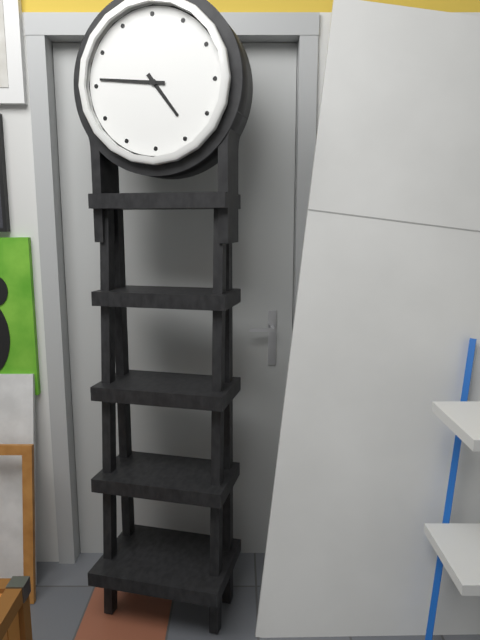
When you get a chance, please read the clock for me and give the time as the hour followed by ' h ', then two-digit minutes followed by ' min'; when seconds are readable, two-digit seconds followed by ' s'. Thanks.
4 h 46 min
